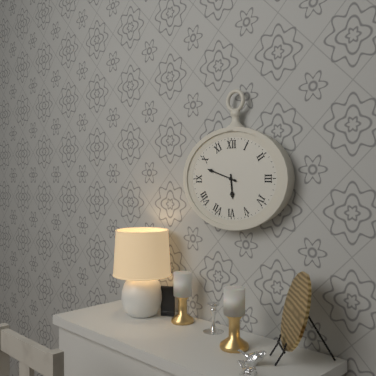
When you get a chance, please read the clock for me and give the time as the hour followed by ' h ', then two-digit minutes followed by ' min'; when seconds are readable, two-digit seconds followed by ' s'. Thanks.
5 h 48 min
